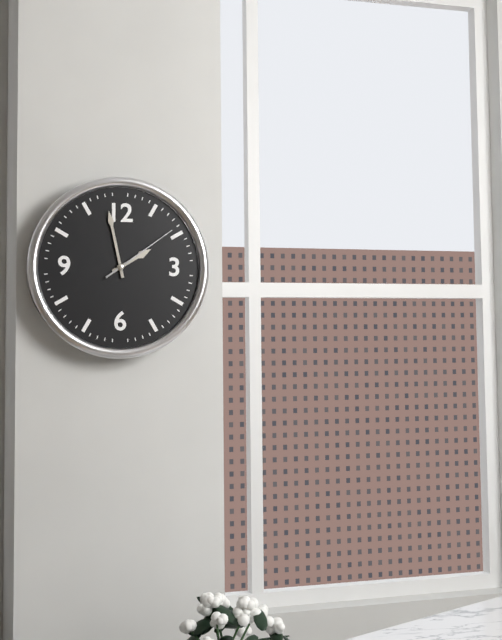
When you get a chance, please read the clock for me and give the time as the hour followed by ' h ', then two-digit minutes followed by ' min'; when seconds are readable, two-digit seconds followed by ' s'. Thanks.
1 h 58 min 09 s
